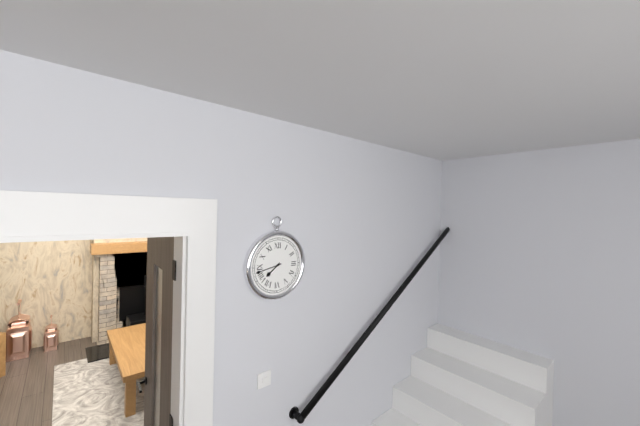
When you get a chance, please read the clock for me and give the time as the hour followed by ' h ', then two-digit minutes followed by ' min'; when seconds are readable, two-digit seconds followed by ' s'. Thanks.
7 h 43 min
